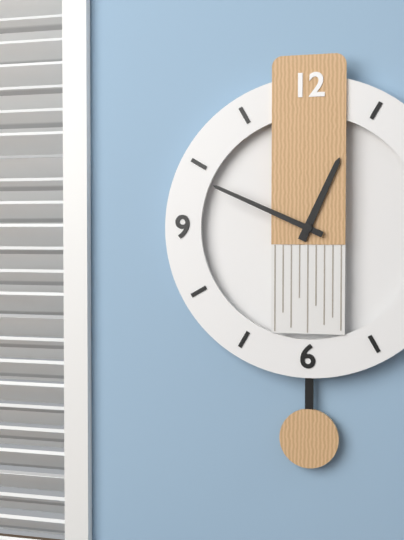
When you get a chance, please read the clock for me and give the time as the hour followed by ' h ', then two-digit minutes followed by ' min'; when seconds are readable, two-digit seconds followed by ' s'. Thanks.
12 h 49 min
